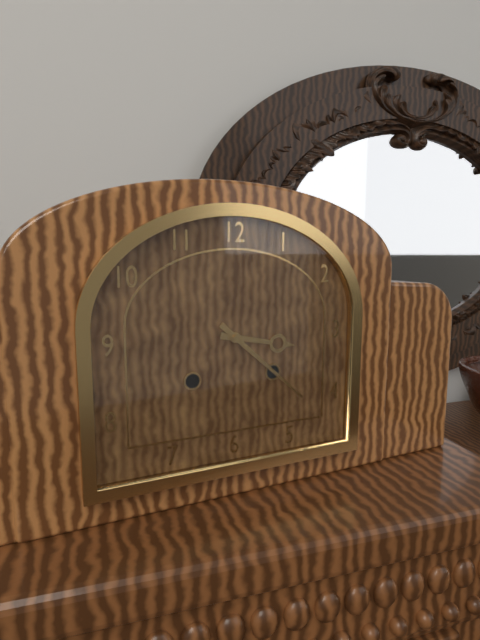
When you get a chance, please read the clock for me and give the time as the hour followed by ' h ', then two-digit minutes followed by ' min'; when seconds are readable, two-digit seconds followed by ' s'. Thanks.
3 h 22 min
